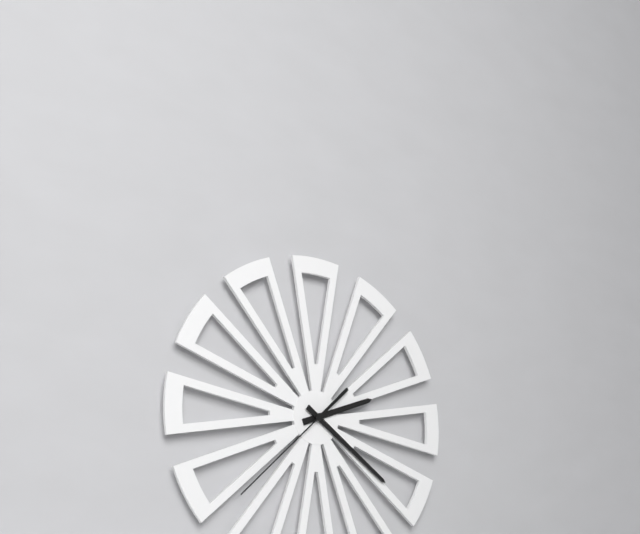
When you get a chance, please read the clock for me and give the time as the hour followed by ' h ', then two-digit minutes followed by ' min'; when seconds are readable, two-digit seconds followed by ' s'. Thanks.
2 h 21 min 38 s
